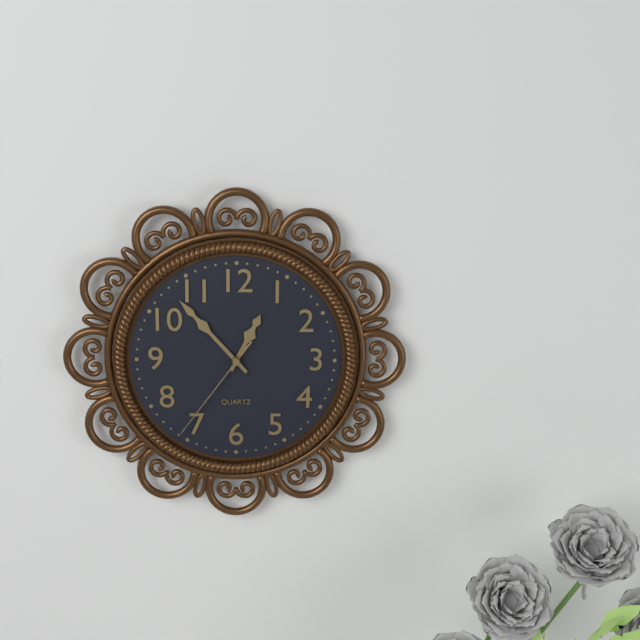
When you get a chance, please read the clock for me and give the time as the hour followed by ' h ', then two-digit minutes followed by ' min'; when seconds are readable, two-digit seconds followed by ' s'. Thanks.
12 h 53 min 36 s
